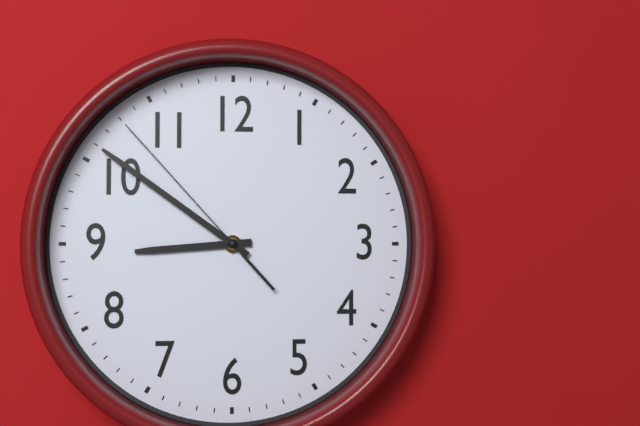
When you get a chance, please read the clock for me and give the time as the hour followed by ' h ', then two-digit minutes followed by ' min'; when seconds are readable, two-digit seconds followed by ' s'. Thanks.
8 h 51 min 53 s
